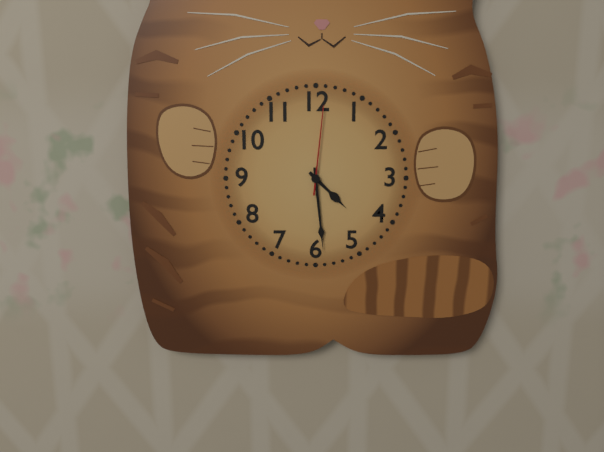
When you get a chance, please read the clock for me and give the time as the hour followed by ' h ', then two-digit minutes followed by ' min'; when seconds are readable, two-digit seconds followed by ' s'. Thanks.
4 h 29 min 01 s
